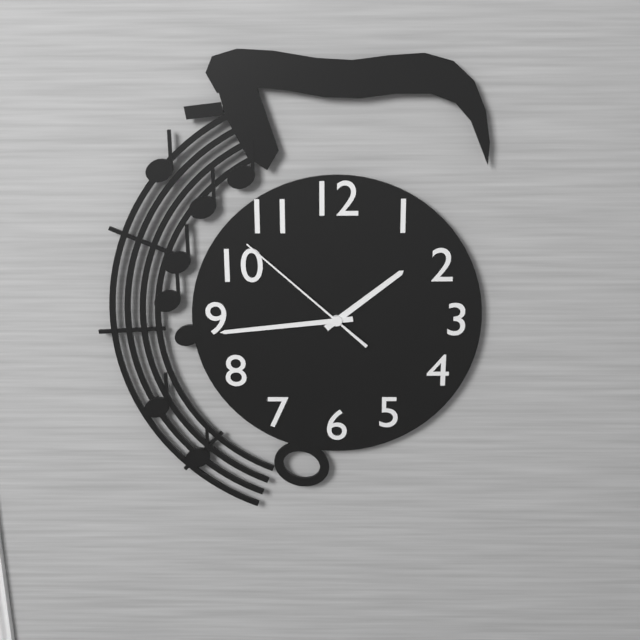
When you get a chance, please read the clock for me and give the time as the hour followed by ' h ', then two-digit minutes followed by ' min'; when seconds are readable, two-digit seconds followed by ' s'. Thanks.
1 h 44 min 52 s
